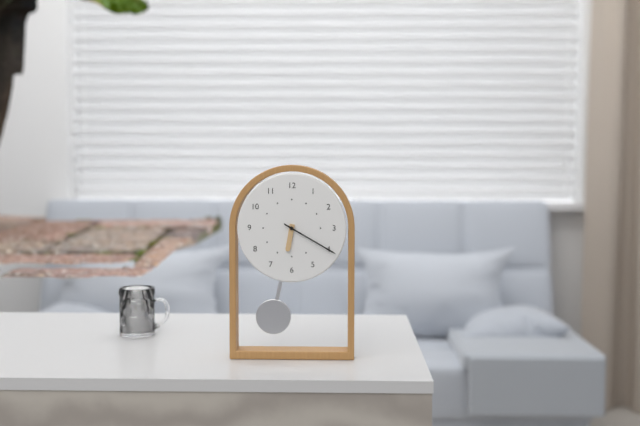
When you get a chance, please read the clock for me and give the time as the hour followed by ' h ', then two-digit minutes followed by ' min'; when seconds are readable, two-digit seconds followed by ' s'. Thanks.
6 h 20 min
